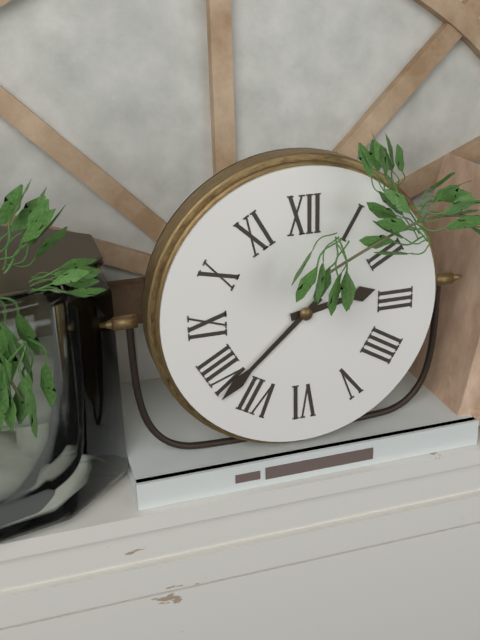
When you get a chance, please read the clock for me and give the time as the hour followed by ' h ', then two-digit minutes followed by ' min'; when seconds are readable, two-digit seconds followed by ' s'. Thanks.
2 h 38 min
